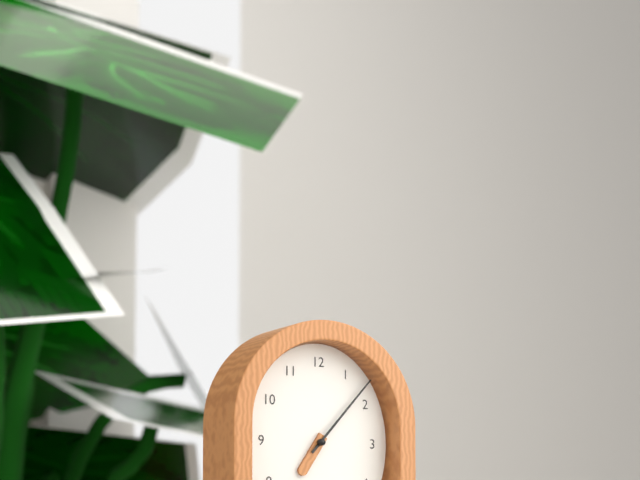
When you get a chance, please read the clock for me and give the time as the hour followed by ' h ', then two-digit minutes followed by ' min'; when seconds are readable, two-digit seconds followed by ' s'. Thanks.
7 h 07 min
